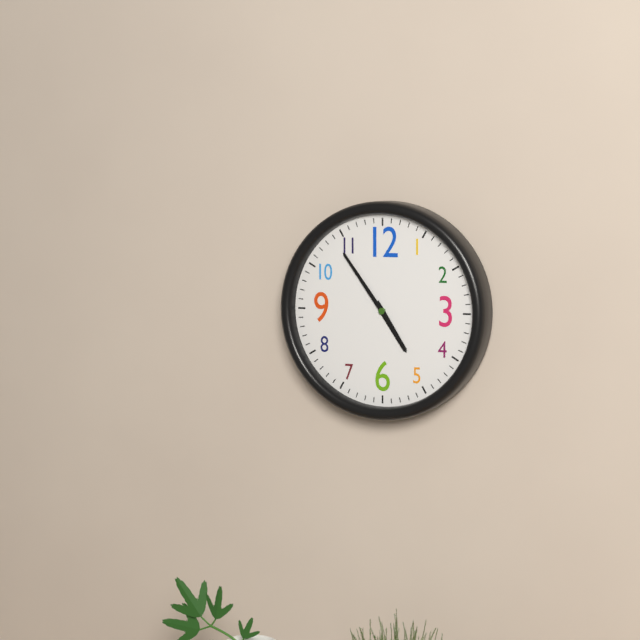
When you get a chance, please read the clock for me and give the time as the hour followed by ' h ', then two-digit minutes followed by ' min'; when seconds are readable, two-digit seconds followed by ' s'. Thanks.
4 h 54 min
